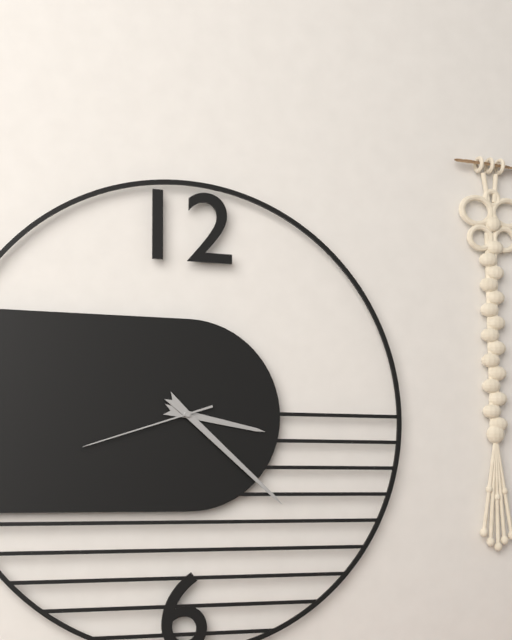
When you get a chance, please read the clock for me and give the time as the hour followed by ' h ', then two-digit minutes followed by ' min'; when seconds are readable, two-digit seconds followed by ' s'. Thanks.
3 h 22 min 42 s
